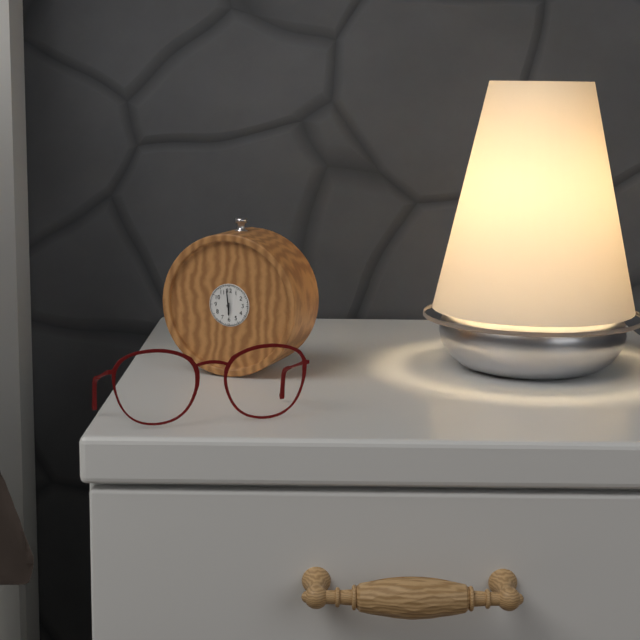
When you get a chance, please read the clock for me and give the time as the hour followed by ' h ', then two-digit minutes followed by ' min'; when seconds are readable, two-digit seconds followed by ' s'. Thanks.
5 h 59 min
